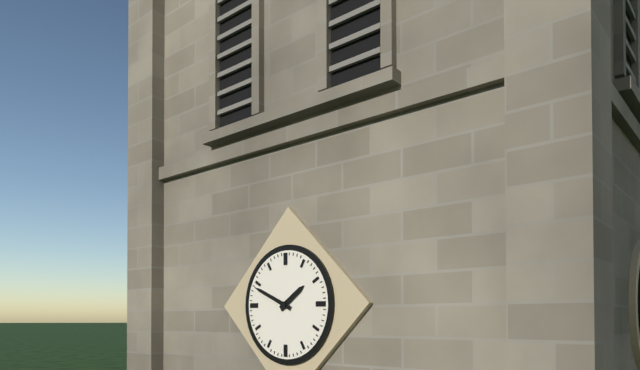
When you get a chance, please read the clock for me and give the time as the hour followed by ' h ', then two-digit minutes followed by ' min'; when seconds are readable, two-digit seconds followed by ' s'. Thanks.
1 h 49 min
